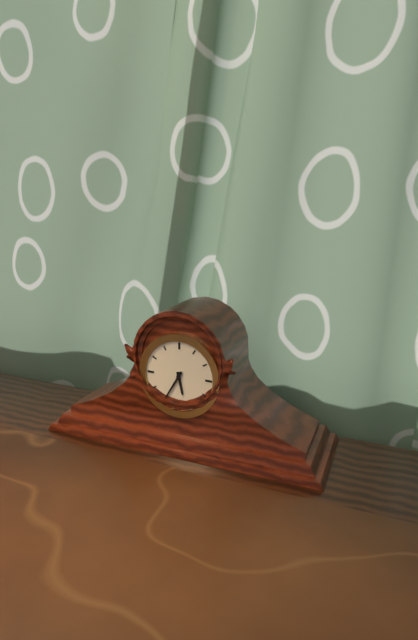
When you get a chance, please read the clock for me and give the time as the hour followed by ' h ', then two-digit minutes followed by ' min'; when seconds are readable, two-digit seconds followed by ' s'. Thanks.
5 h 35 min
